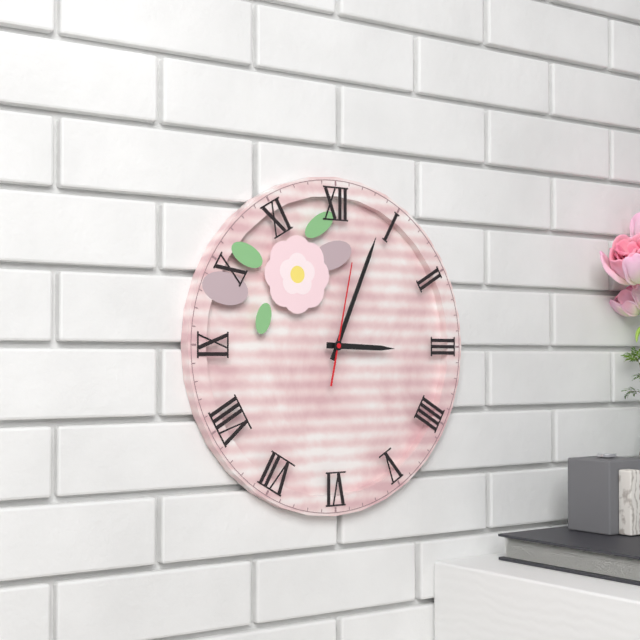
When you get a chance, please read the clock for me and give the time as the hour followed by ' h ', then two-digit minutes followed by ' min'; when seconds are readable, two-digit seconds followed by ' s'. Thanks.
3 h 04 min 02 s
